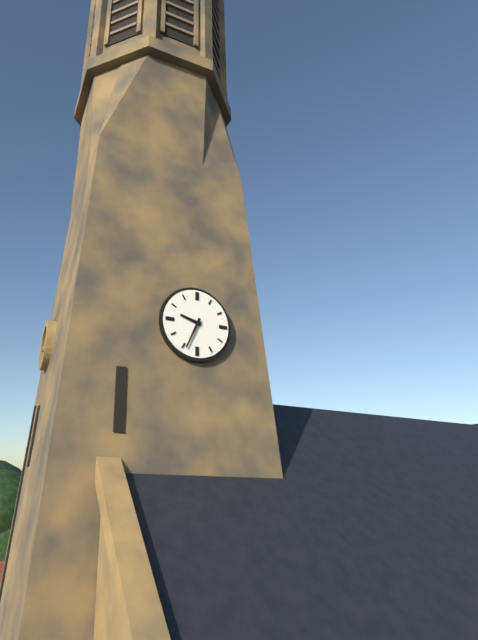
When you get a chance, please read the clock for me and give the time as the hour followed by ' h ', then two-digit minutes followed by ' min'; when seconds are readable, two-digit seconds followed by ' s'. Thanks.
9 h 34 min
